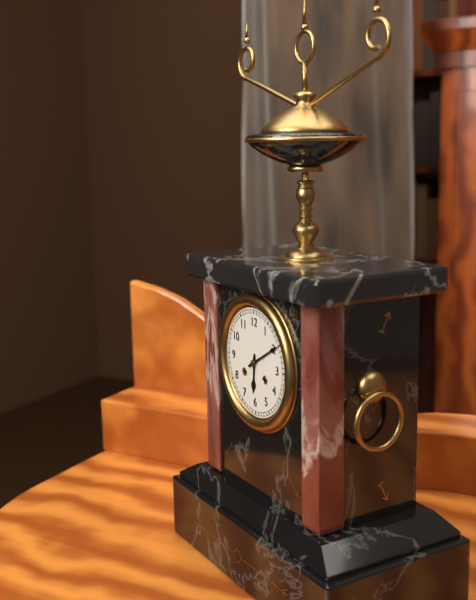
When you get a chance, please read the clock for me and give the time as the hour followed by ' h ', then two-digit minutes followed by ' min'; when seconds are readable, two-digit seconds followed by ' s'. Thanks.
6 h 10 min
